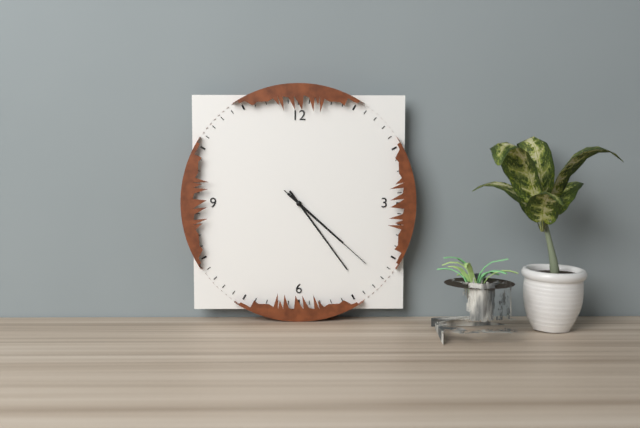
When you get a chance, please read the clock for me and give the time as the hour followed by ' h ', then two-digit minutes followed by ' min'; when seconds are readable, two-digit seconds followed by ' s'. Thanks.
4 h 24 min 22 s
